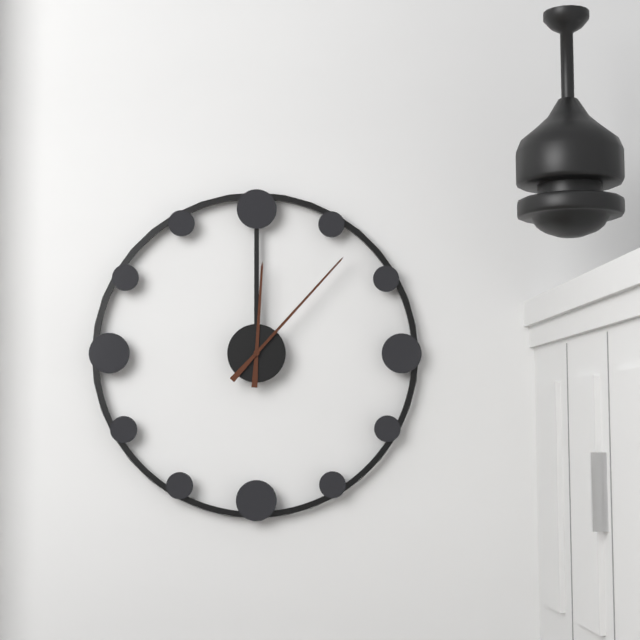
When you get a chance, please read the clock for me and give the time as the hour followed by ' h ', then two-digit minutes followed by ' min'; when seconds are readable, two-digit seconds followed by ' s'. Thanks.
12 h 07 min
